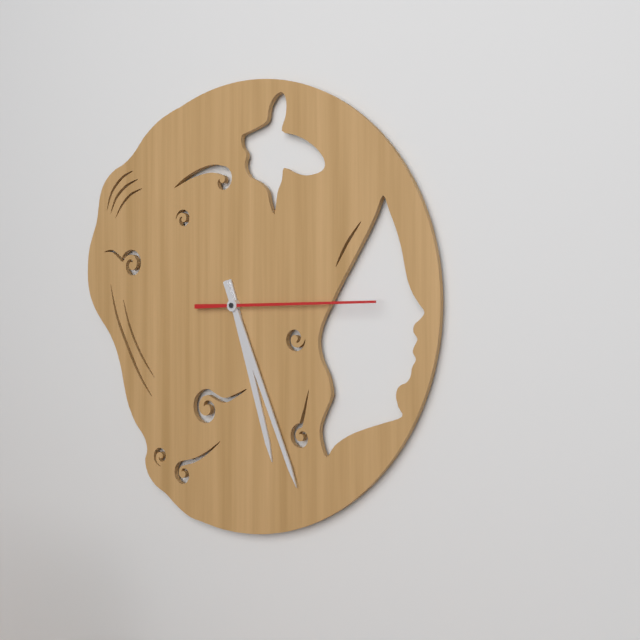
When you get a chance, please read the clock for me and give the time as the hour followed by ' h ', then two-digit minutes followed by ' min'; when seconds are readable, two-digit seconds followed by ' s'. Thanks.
5 h 26 min 15 s
